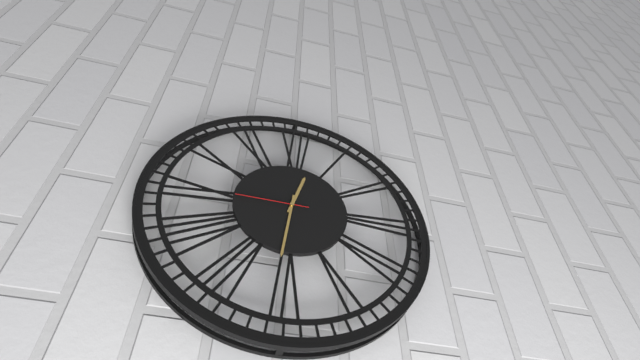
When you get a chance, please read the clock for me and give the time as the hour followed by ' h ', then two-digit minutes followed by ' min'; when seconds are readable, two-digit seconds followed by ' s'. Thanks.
12 h 31 min 45 s
